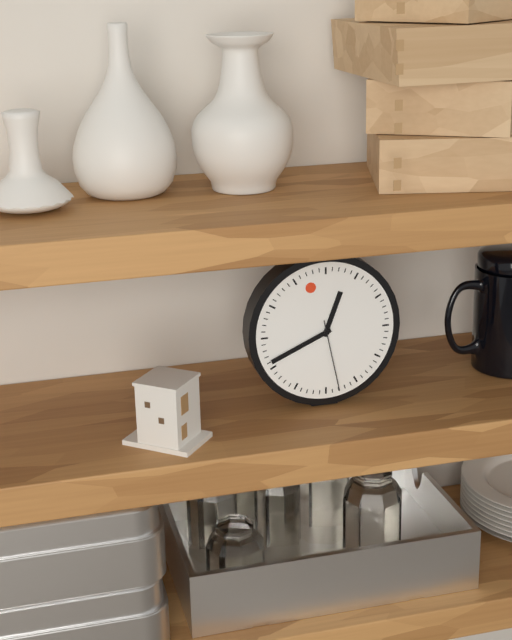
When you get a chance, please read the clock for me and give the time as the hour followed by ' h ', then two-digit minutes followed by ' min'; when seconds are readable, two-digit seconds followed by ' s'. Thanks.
12 h 41 min 28 s
